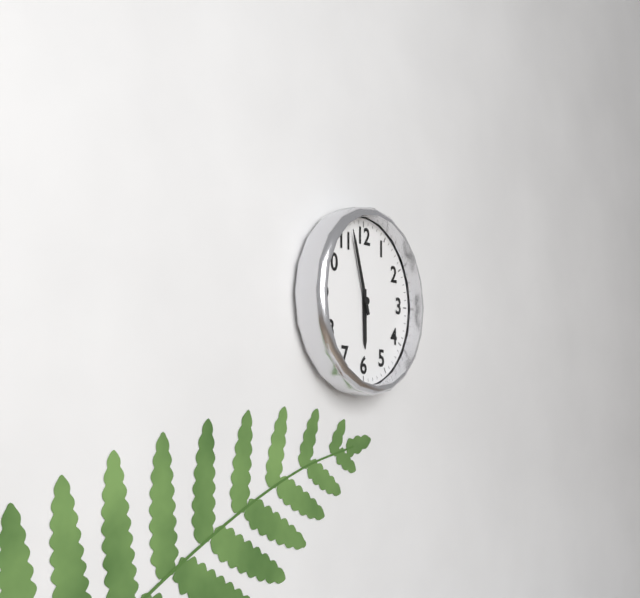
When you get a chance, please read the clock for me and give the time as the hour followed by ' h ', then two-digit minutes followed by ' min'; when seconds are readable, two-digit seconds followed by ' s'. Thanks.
5 h 57 min
